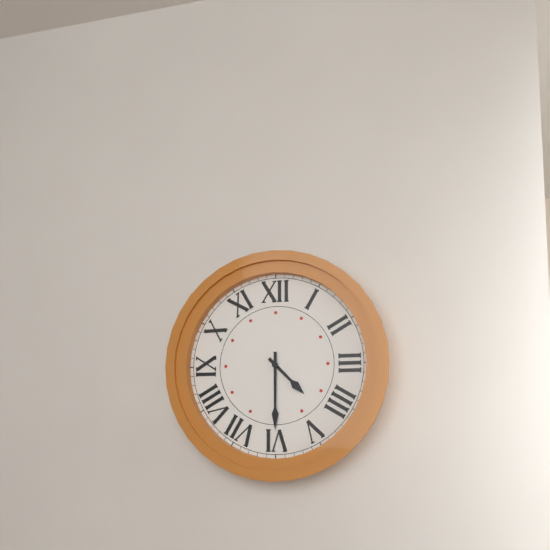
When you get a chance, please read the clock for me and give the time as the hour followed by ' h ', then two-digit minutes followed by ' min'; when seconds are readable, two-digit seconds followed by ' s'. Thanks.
4 h 30 min
